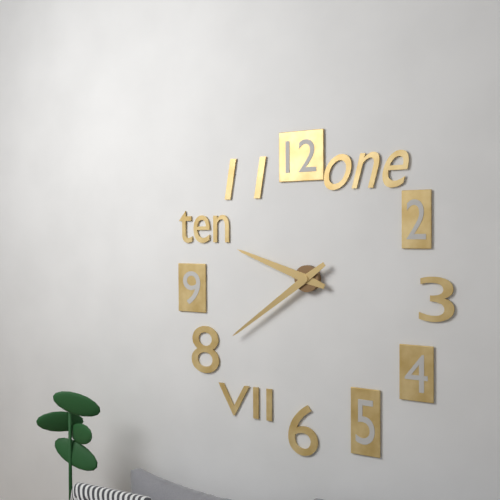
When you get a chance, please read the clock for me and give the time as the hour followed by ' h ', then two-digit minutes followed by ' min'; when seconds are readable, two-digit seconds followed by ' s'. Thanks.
9 h 39 min
